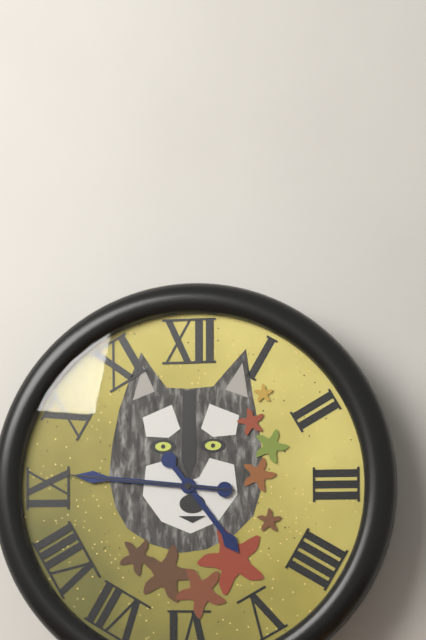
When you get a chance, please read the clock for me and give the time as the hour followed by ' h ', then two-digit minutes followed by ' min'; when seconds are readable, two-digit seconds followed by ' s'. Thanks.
4 h 46 min 46 s
